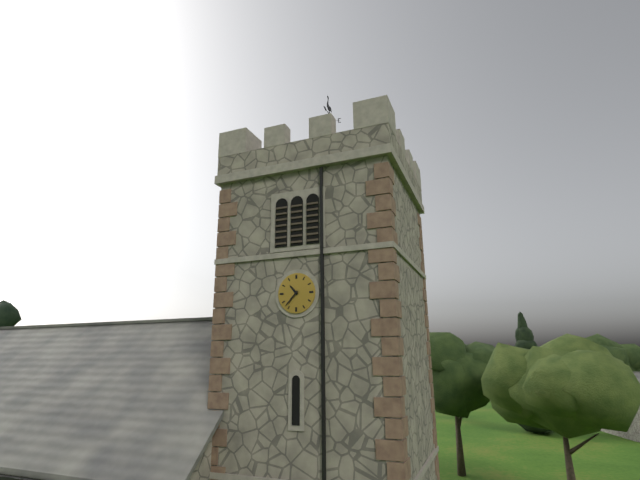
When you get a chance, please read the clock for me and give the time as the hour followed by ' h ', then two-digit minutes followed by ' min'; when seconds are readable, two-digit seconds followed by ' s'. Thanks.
10 h 37 min
